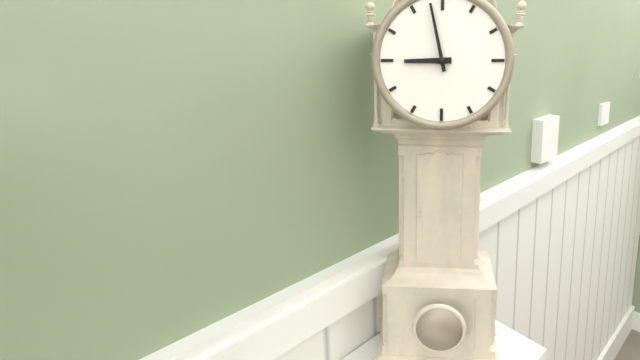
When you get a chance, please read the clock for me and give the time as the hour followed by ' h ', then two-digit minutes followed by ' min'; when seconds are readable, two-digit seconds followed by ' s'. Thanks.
8 h 58 min
